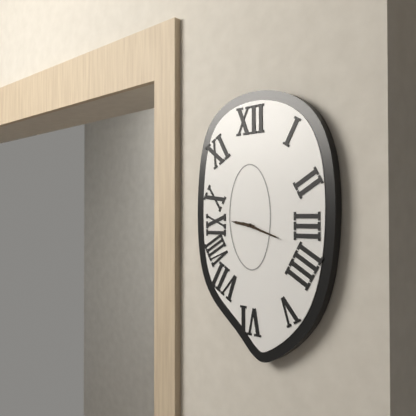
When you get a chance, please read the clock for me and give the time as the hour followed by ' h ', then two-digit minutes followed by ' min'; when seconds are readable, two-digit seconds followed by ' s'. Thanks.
9 h 18 min
